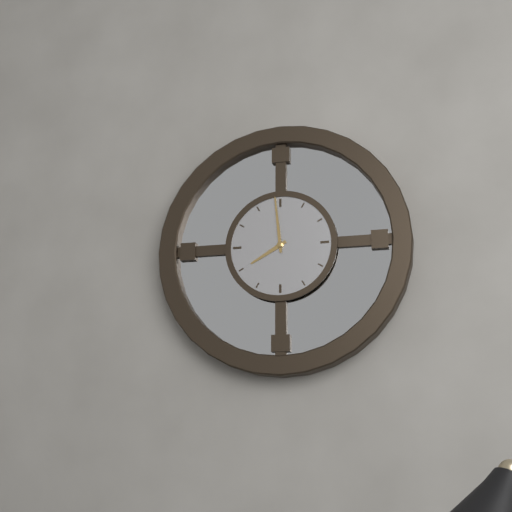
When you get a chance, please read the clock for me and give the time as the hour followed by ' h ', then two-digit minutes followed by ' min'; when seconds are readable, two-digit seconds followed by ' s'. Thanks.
7 h 59 min
